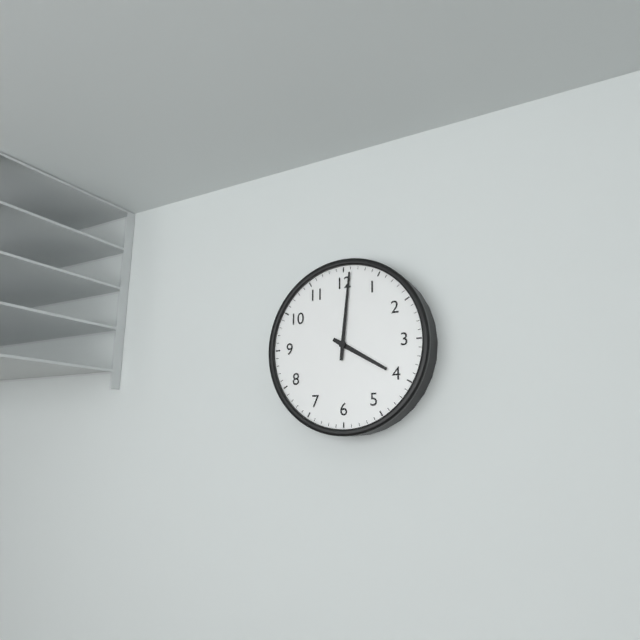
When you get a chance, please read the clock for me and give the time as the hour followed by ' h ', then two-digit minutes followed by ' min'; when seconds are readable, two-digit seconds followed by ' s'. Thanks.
4 h 01 min
